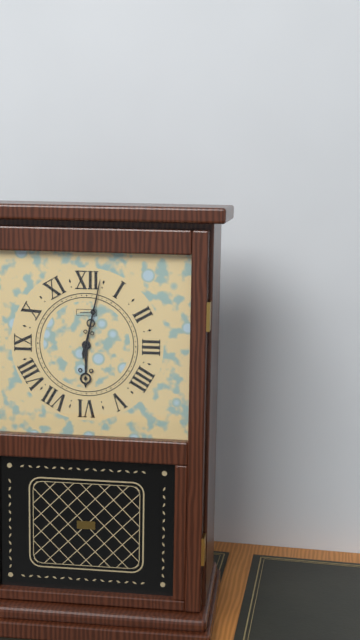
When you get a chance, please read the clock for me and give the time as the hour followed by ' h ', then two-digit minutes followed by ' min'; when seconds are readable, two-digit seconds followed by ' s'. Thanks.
6 h 02 min
